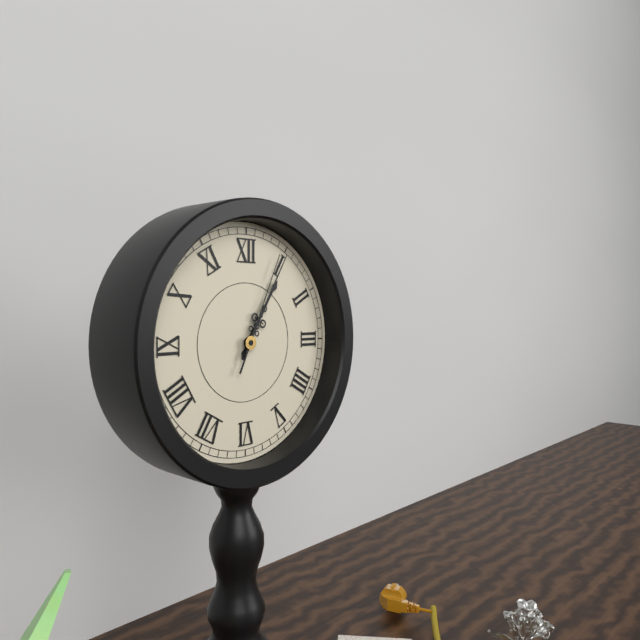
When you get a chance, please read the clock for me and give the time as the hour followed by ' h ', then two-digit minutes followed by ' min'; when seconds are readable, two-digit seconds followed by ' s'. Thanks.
1 h 05 min 04 s
